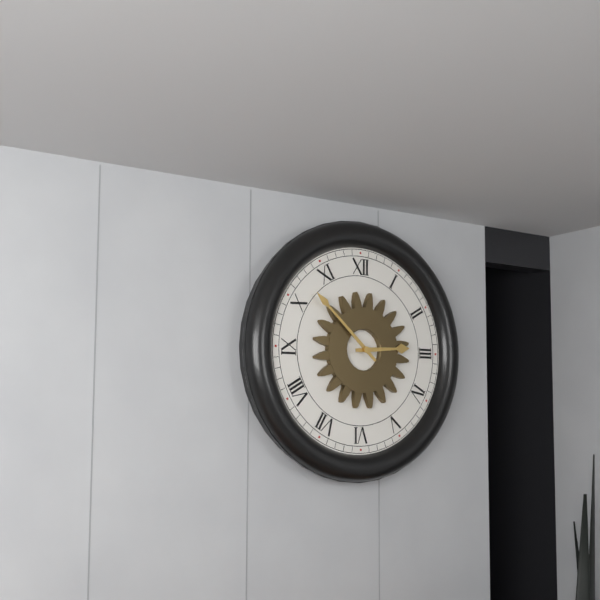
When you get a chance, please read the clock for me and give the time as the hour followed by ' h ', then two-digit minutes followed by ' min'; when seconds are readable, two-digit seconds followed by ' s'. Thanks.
2 h 52 min
